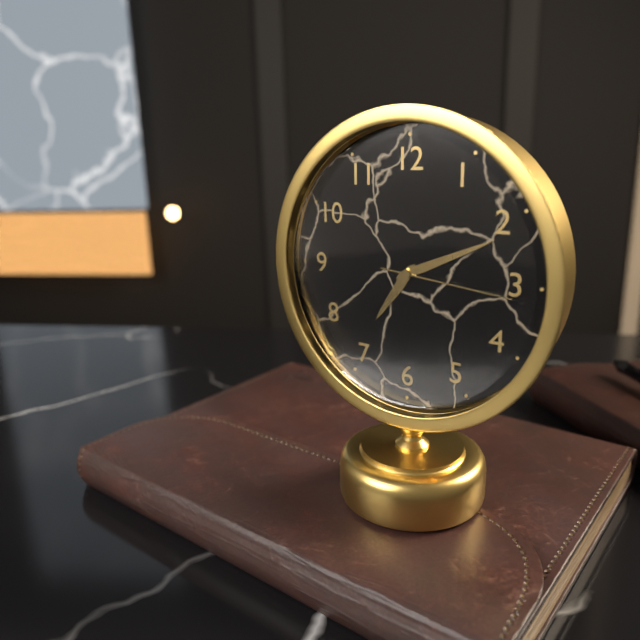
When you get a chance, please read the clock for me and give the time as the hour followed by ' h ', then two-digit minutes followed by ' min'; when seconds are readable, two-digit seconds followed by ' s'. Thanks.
7 h 11 min 16 s
